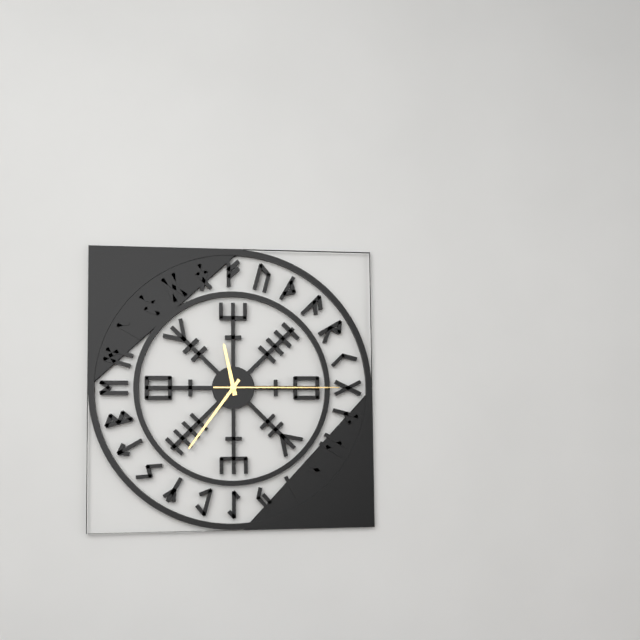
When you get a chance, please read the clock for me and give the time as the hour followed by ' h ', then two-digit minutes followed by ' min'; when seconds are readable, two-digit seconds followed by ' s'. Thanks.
11 h 36 min 15 s
